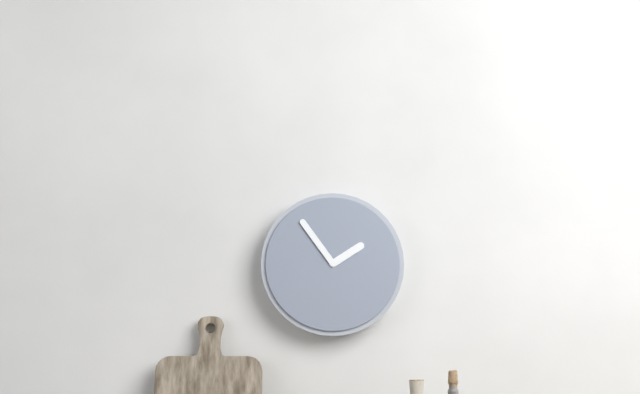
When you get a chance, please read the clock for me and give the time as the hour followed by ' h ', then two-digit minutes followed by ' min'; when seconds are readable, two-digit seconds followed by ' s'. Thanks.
1 h 54 min
